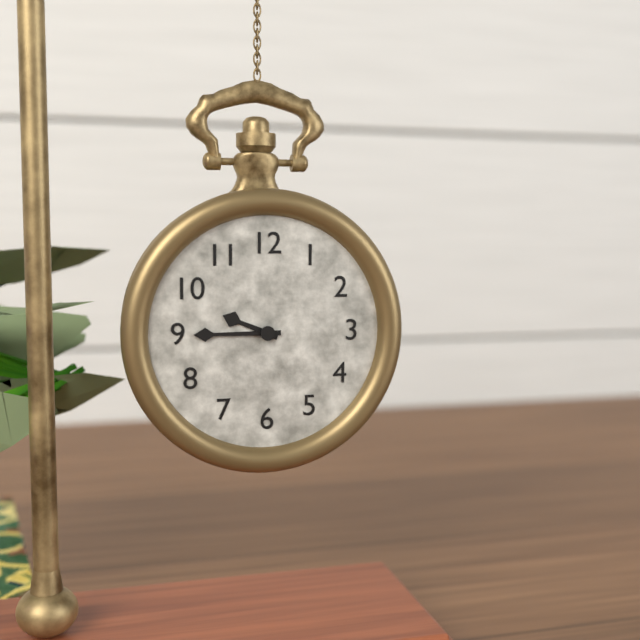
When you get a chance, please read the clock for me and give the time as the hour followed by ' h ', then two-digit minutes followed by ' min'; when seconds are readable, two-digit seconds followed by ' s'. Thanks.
9 h 45 min
